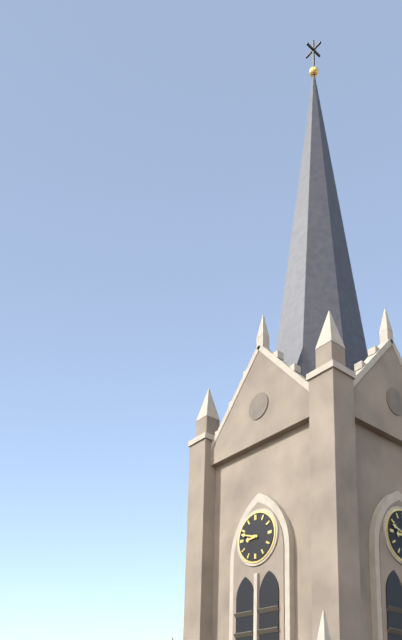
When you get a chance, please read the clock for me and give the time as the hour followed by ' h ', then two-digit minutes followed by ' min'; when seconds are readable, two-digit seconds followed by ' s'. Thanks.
8 h 48 min
